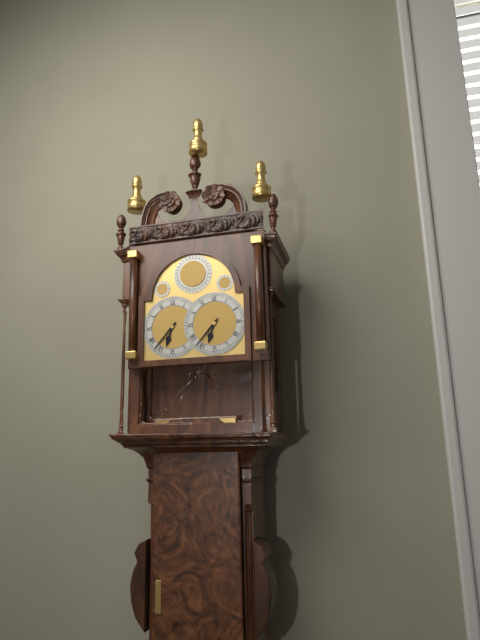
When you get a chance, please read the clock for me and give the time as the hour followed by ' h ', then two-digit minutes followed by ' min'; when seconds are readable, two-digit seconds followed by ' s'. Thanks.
6 h 37 min
